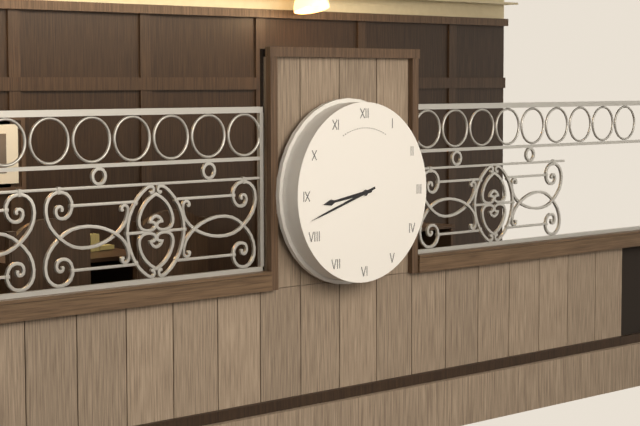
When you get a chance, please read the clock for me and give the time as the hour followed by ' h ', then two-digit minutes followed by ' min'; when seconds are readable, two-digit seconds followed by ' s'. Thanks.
8 h 42 min
